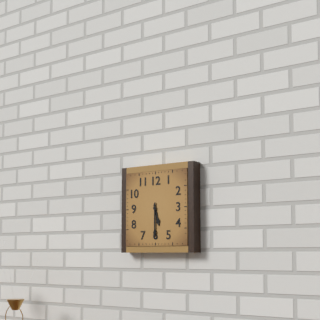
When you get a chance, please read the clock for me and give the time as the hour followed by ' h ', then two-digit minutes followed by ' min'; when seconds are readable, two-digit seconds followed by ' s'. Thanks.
5 h 30 min
